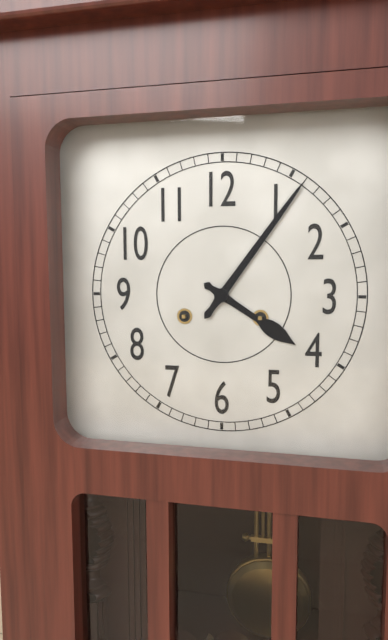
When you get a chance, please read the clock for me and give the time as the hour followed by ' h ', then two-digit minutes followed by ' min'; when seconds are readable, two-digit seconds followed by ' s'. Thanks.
4 h 06 min
